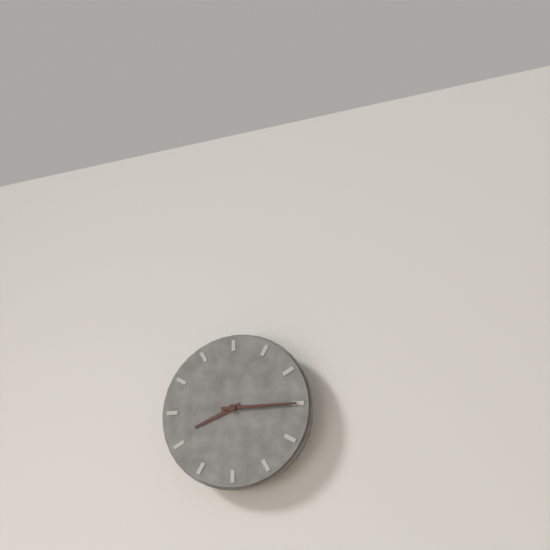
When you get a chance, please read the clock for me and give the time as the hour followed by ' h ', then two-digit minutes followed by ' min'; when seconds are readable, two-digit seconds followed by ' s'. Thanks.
8 h 15 min
